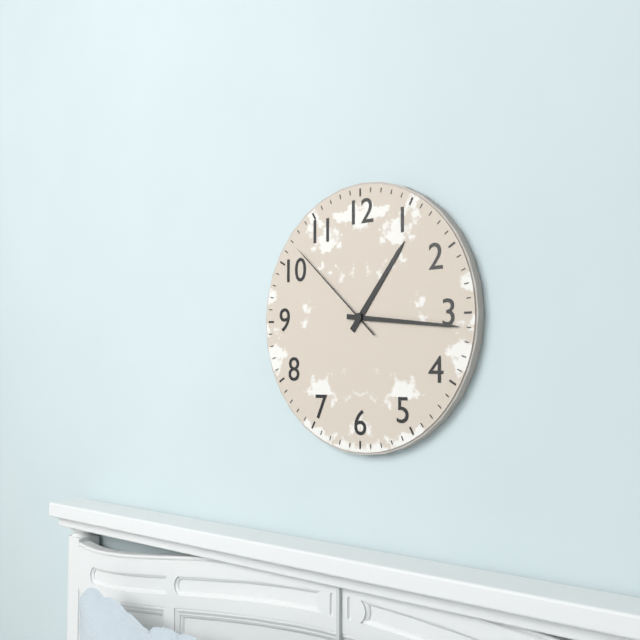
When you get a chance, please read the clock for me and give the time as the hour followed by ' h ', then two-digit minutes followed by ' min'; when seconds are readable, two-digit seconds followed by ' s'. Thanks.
1 h 16 min 52 s
